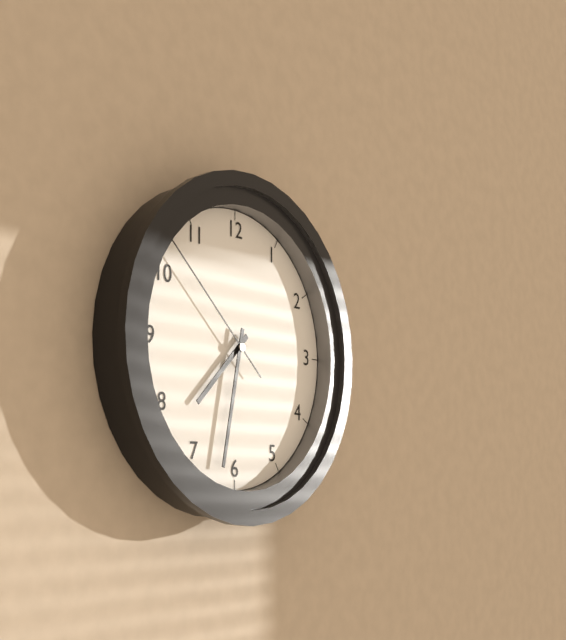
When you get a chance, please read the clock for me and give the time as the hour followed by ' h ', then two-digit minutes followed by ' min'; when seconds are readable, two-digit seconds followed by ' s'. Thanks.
7 h 32 min 52 s
